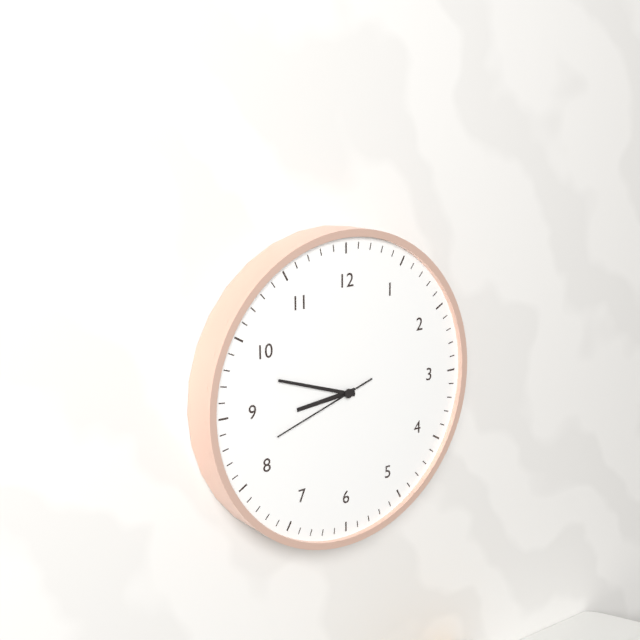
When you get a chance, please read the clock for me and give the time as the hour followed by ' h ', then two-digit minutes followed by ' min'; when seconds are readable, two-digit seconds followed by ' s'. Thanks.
8 h 48 min 42 s
